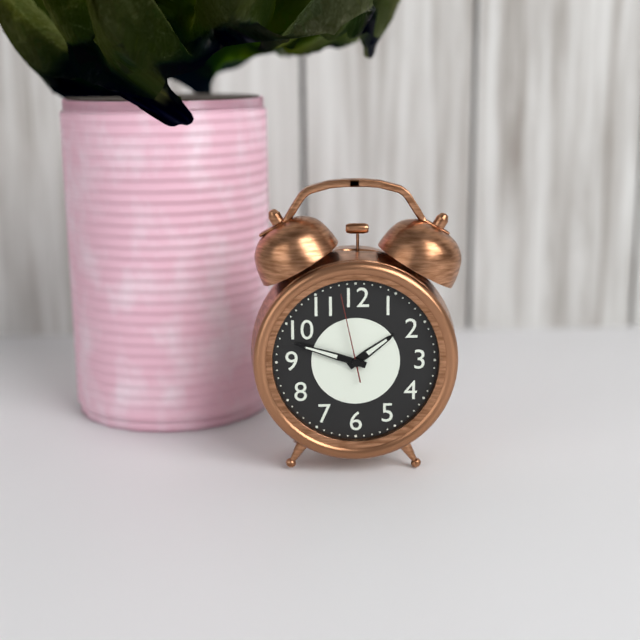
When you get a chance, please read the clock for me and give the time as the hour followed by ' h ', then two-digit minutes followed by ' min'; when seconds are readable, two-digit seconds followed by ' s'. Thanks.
1 h 48 min 58 s
